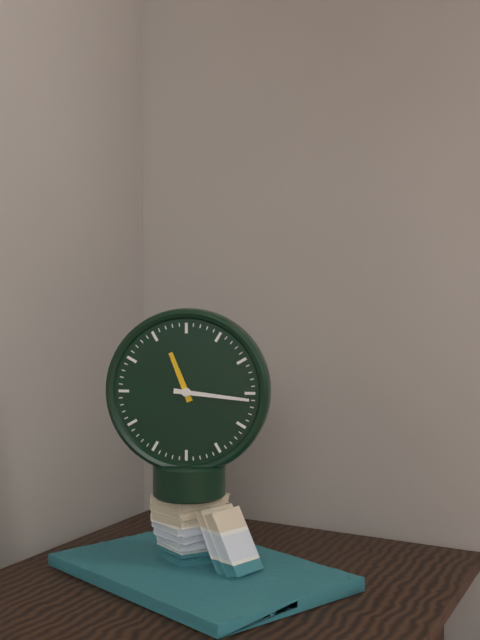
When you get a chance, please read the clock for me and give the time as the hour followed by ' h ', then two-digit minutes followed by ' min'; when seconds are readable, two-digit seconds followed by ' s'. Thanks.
11 h 16 min
